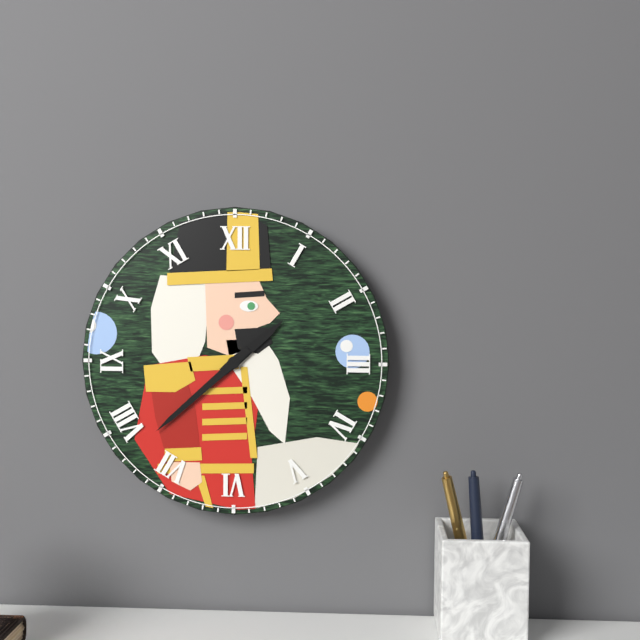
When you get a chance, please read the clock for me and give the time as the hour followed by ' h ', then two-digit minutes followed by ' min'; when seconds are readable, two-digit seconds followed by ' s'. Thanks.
1 h 38 min
